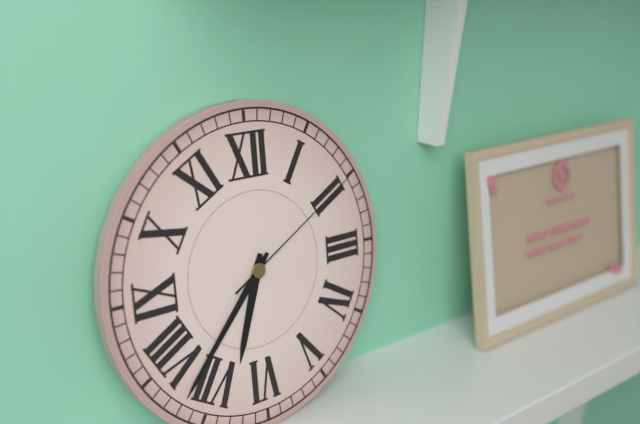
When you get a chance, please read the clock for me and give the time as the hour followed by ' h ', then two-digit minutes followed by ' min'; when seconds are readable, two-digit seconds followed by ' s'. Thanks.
6 h 37 min 10 s
